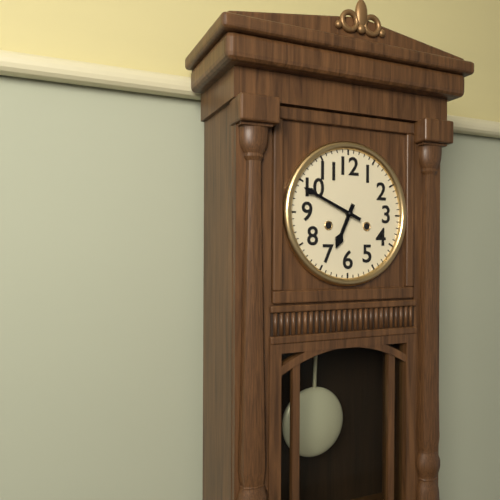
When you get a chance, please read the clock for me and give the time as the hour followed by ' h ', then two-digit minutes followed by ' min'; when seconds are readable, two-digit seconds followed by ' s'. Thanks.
6 h 49 min
